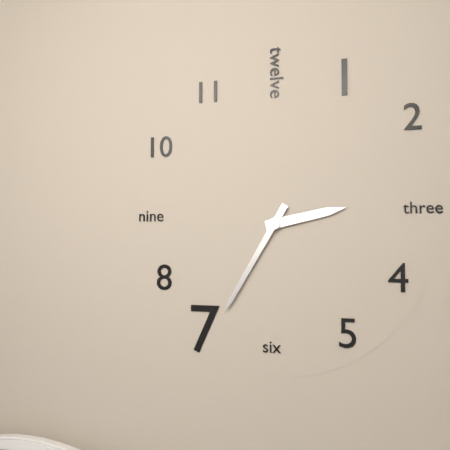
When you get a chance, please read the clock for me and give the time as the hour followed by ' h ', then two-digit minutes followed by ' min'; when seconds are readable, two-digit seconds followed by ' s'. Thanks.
2 h 35 min
